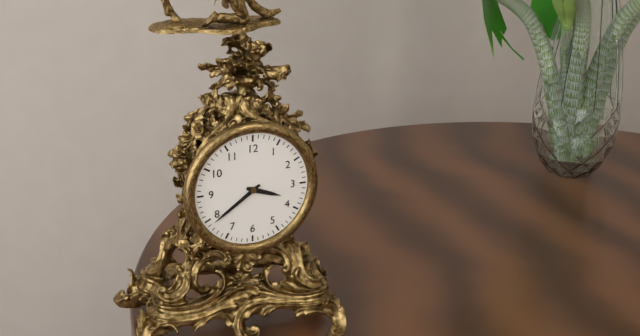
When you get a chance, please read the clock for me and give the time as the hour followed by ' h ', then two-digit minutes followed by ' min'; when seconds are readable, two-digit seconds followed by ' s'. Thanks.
3 h 39 min
